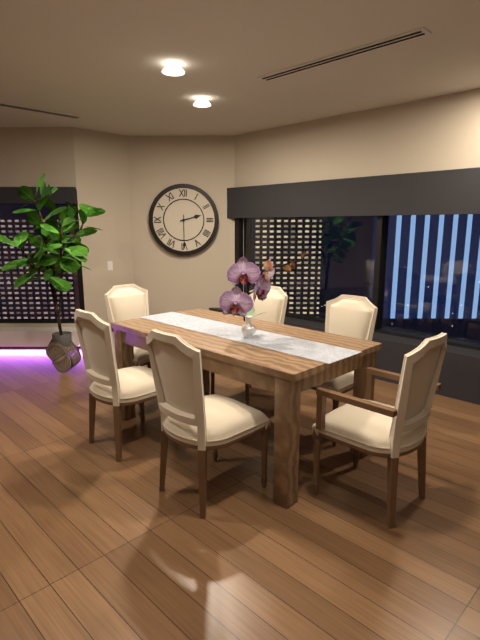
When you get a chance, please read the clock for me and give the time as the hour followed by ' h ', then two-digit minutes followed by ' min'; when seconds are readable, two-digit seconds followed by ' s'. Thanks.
2 h 30 min
